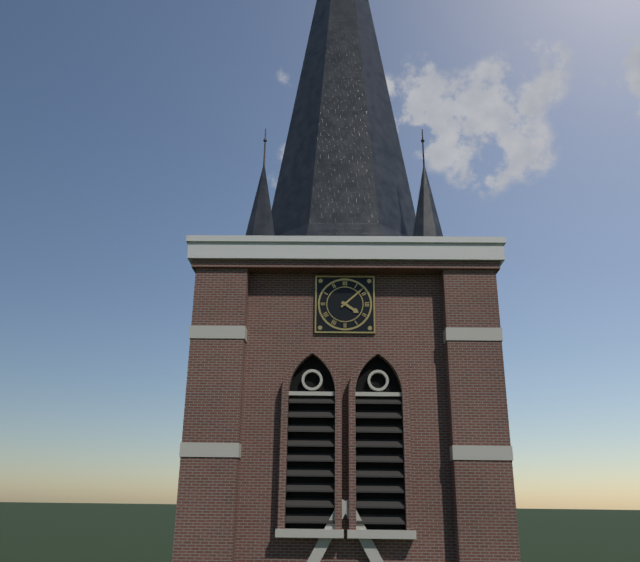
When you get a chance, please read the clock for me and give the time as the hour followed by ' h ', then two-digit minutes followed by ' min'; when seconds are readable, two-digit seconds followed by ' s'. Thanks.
4 h 08 min
